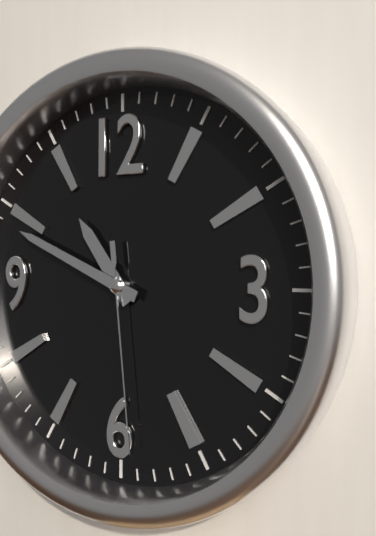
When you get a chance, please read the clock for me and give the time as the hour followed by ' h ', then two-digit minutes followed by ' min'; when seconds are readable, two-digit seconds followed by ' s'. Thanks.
10 h 49 min 29 s
